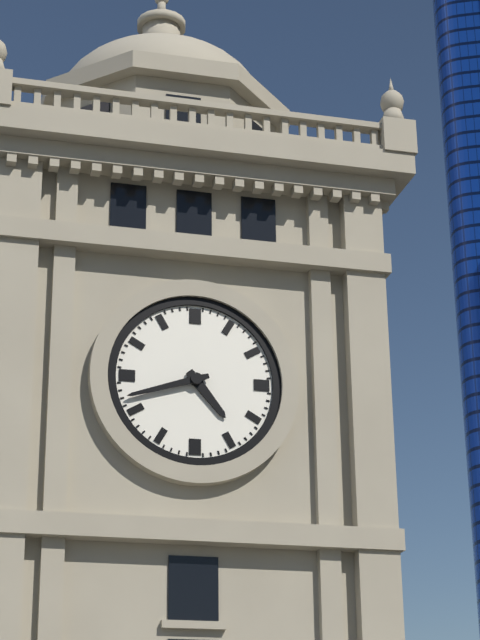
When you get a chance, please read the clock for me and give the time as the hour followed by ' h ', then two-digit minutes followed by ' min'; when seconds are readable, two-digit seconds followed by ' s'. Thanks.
4 h 42 min
